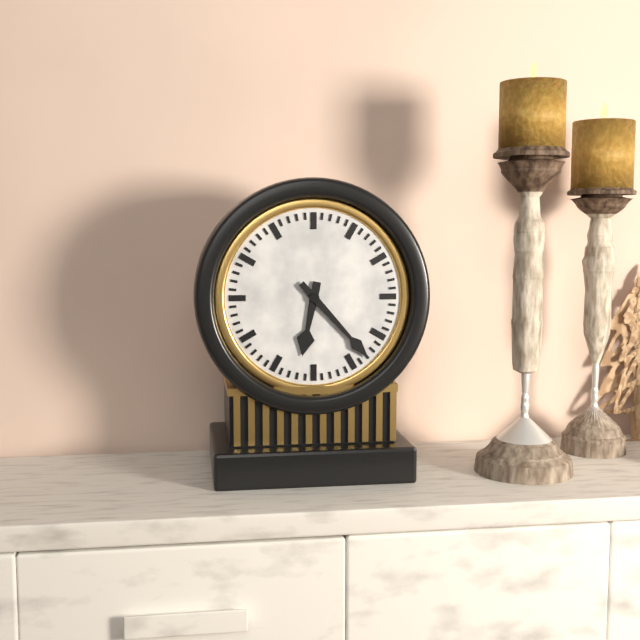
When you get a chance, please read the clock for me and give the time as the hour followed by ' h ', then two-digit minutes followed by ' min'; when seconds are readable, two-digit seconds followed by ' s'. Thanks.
6 h 23 min
